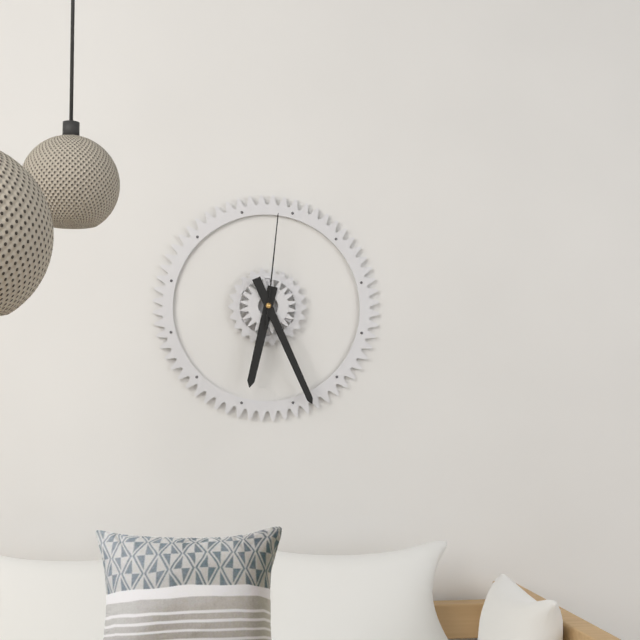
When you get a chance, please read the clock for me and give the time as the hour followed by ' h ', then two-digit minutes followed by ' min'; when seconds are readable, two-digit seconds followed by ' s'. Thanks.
6 h 26 min 01 s
